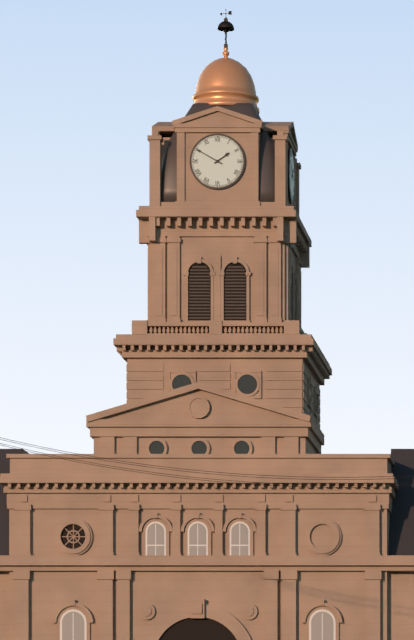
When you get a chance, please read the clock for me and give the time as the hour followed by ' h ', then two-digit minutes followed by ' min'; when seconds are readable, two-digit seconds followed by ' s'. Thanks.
1 h 50 min
